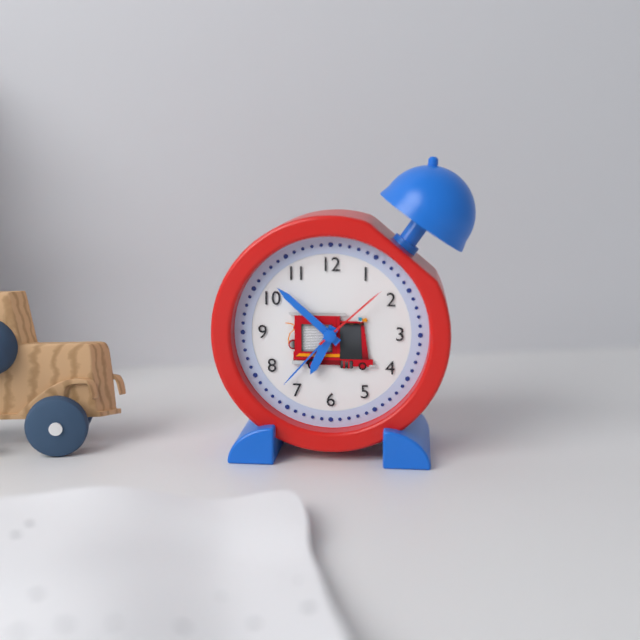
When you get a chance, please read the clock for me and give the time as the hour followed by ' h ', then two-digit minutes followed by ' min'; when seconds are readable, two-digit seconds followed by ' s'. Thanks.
6 h 52 min 08 s
